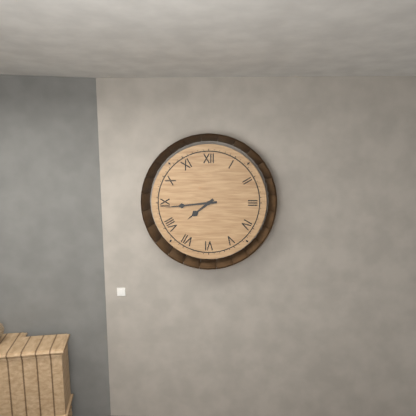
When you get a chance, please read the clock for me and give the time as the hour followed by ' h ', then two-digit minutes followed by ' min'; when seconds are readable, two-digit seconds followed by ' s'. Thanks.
7 h 44 min
